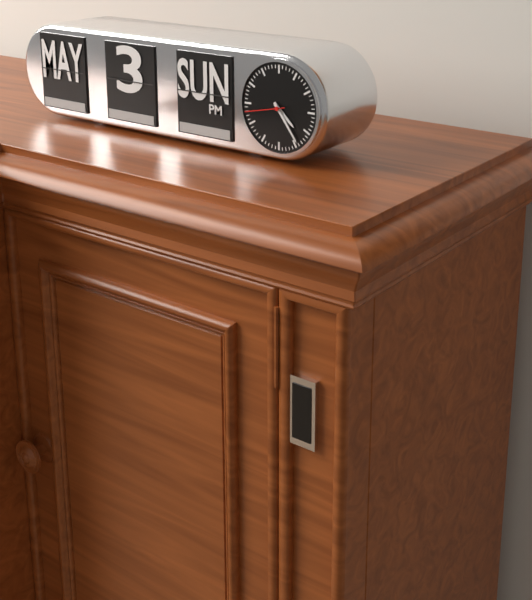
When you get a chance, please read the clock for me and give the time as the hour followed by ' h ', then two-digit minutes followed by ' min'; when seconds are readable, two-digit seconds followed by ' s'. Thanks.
4 h 24 min
